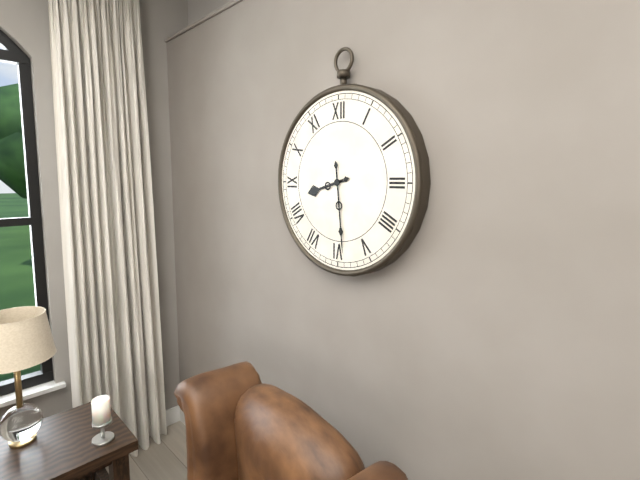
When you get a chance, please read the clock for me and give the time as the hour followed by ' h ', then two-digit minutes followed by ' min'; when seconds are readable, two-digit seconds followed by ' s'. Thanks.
8 h 29 min
